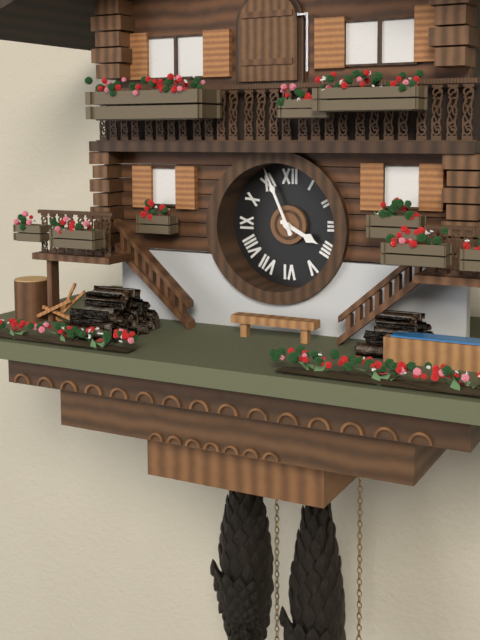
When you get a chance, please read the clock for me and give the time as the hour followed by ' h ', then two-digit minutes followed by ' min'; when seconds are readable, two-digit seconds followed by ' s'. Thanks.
3 h 56 min
